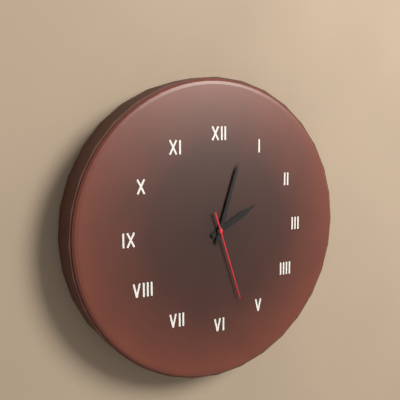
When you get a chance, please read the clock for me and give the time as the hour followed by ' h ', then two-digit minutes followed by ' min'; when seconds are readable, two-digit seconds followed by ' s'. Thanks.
2 h 03 min 27 s
